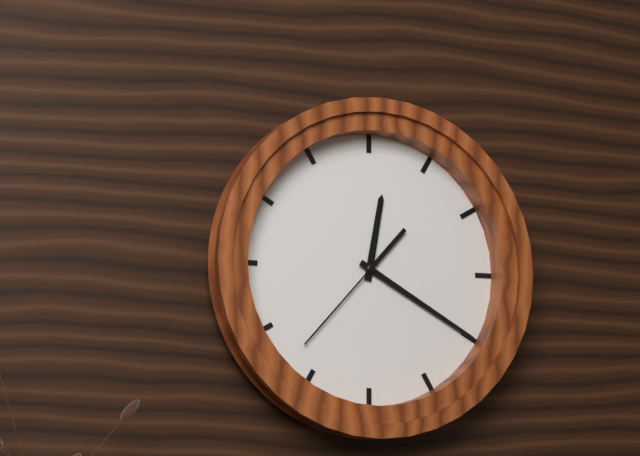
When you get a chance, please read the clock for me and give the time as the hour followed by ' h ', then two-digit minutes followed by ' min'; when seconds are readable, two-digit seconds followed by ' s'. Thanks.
12 h 20 min 37 s
